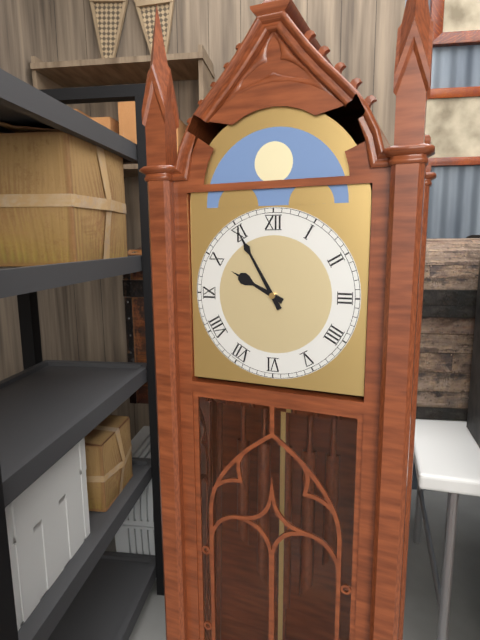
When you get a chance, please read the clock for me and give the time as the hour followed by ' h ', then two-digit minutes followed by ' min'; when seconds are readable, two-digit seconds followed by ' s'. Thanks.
9 h 55 min
